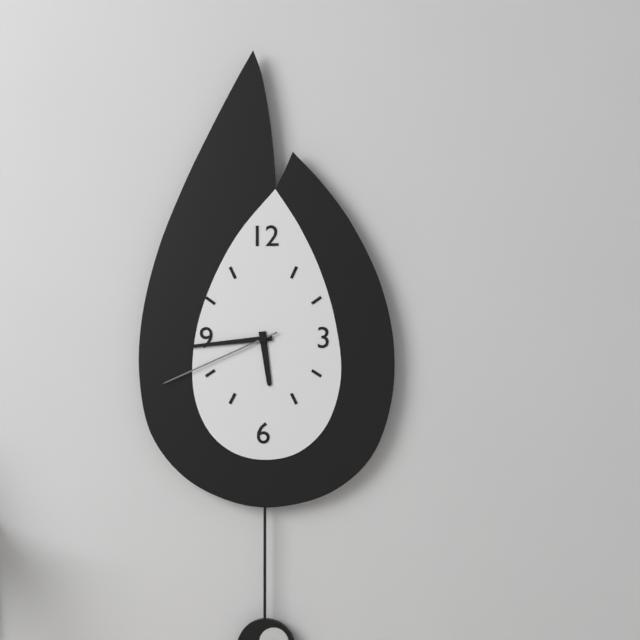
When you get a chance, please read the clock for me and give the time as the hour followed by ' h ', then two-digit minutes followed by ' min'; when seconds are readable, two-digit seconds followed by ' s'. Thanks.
5 h 44 min 41 s
